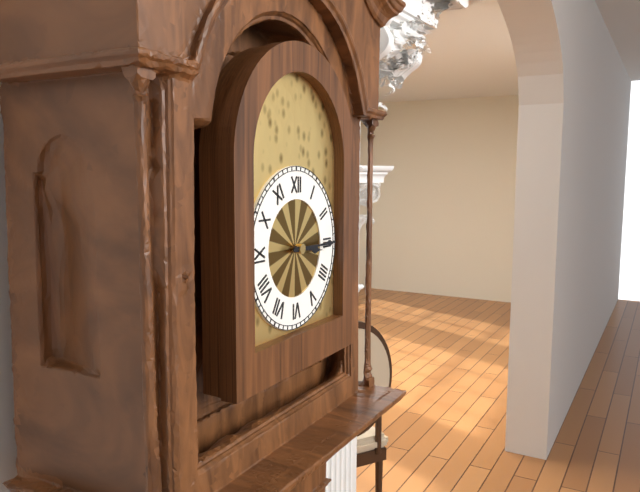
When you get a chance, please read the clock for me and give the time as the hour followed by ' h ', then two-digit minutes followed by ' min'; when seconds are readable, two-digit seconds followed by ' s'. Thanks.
3 h 15 min
